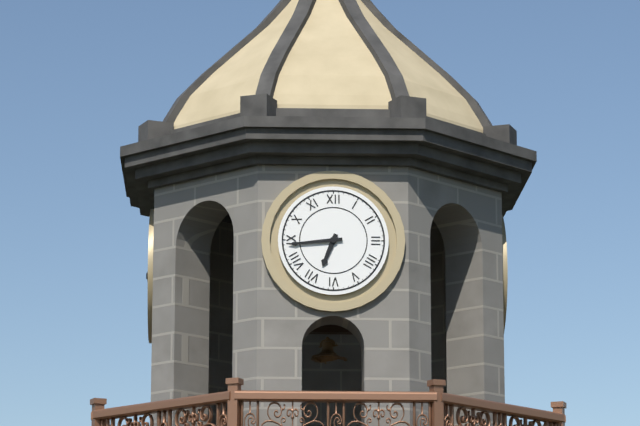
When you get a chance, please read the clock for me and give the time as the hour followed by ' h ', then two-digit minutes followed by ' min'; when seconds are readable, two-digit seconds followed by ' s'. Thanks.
6 h 44 min
